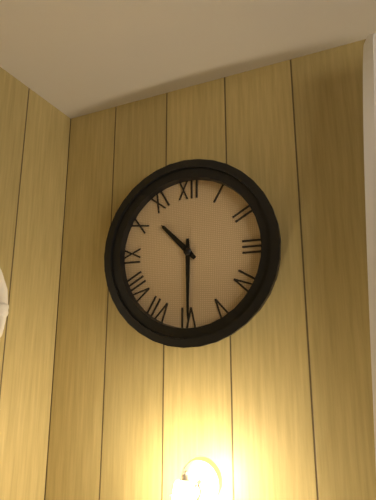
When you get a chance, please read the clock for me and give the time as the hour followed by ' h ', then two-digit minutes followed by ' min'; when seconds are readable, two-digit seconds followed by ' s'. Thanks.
10 h 30 min
